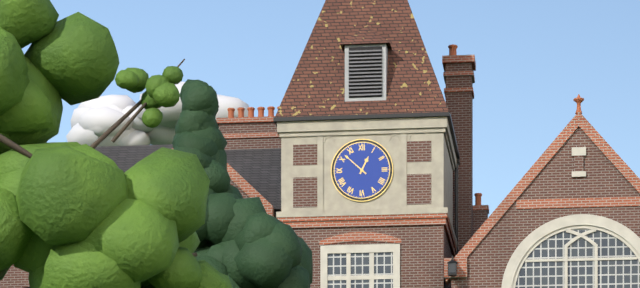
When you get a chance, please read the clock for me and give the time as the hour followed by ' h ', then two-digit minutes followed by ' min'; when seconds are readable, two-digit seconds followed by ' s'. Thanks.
12 h 52 min
